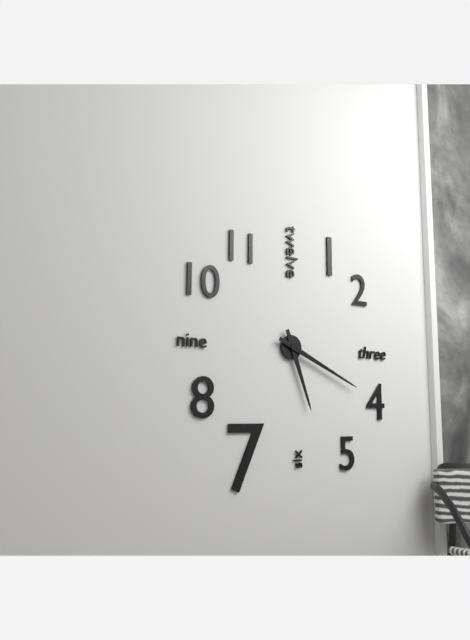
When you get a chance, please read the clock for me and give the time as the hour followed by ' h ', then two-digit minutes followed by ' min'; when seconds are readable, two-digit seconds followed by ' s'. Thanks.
5 h 19 min
